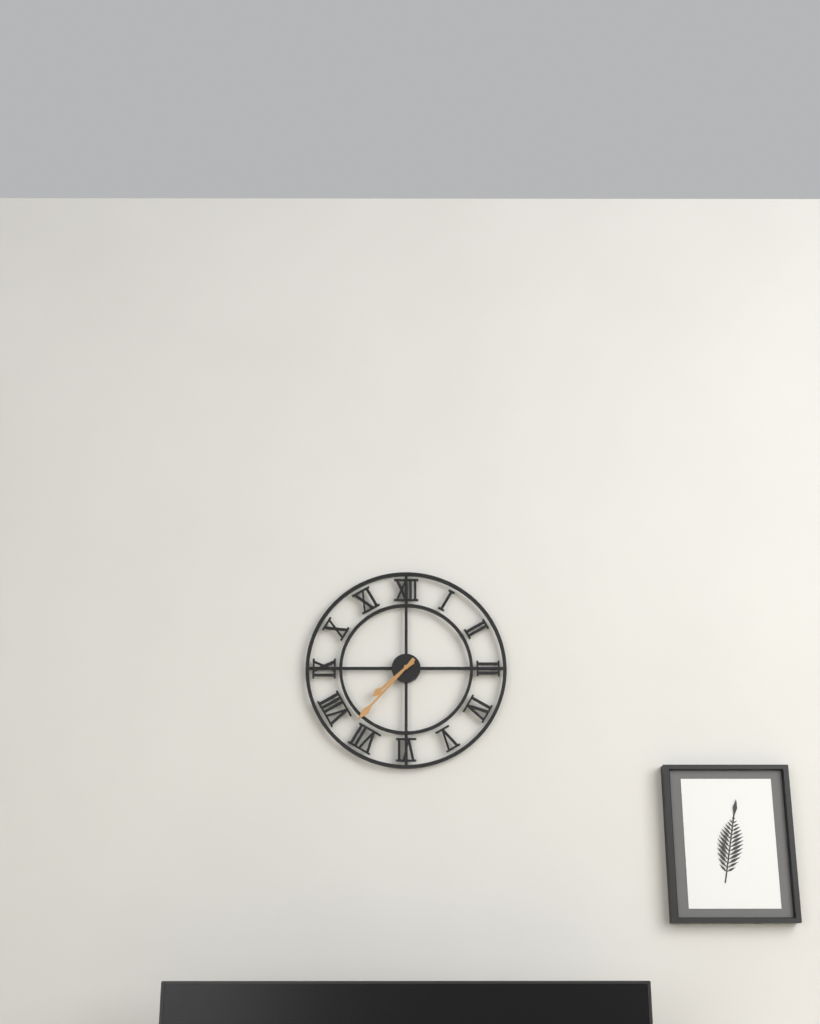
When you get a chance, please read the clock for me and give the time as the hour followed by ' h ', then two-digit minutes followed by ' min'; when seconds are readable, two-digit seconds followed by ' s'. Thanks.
7 h 37 min
